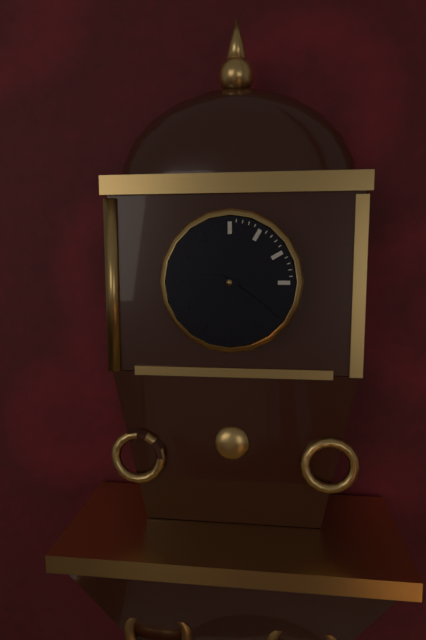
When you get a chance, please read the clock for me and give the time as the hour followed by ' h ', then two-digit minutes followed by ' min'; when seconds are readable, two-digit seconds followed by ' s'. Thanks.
9 h 21 min
